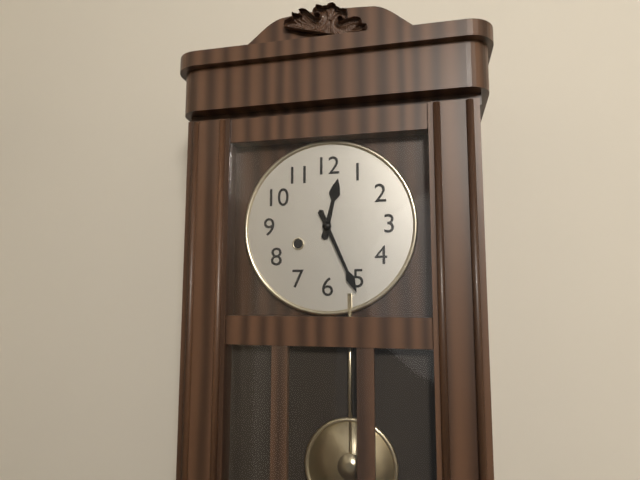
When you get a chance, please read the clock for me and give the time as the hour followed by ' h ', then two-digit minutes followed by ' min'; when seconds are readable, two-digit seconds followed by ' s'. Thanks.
12 h 26 min
